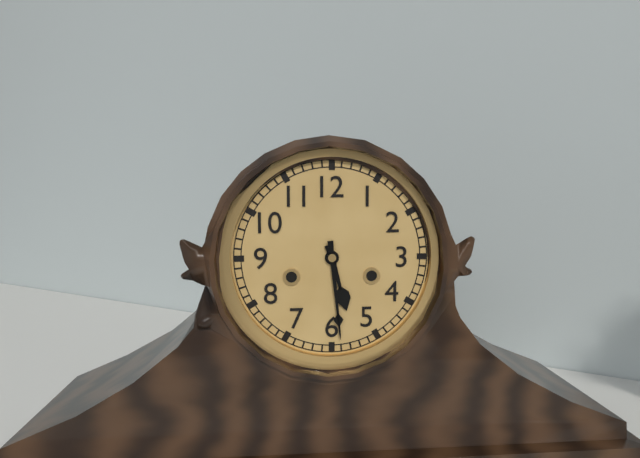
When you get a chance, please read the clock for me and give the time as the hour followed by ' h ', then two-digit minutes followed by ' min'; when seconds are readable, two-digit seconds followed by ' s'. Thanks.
5 h 29 min
